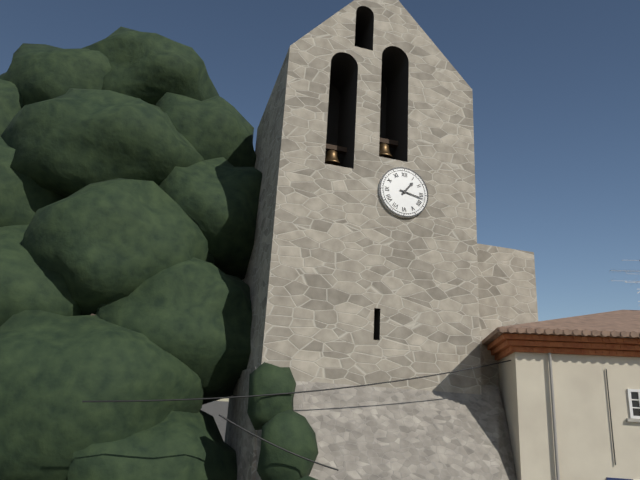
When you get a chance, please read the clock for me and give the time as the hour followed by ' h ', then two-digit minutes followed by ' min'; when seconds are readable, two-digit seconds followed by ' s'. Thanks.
1 h 17 min
